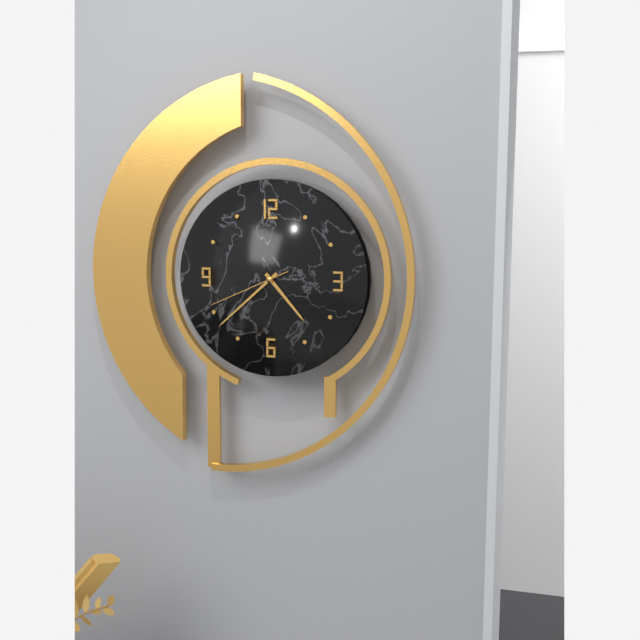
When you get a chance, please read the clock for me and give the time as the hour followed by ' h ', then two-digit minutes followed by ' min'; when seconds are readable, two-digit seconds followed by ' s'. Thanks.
4 h 38 min 41 s
